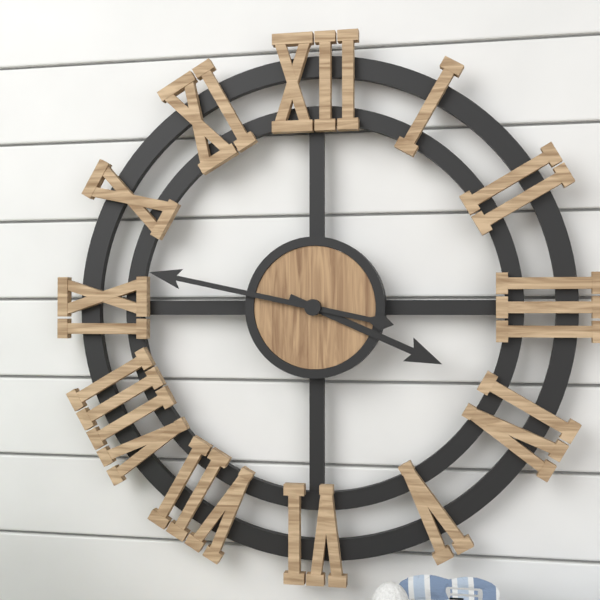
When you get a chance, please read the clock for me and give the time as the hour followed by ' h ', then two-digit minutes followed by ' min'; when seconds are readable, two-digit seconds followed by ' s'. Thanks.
3 h 47 min
